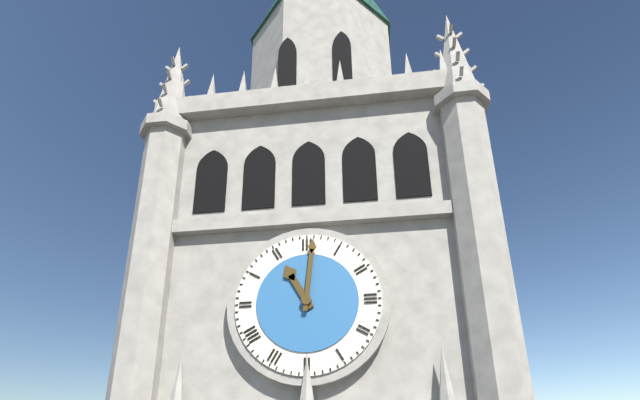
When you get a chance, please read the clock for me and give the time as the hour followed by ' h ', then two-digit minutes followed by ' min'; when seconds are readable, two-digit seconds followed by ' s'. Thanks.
11 h 01 min
